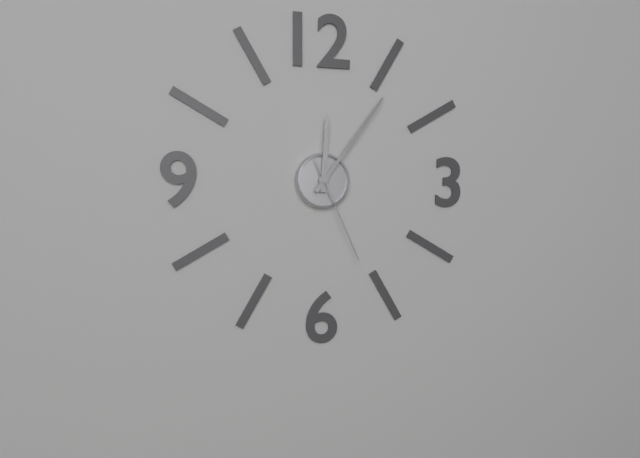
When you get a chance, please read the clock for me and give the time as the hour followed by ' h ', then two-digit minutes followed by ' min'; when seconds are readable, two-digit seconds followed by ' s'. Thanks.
12 h 06 min 26 s
